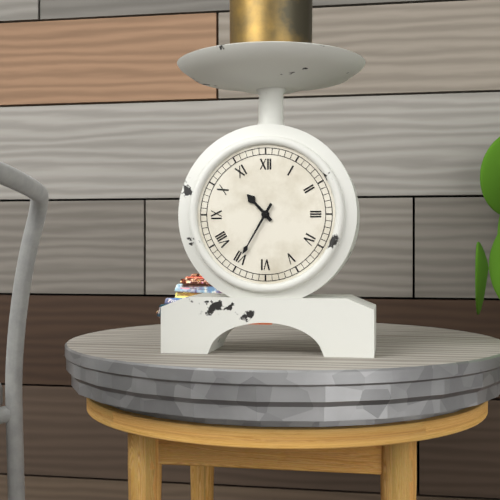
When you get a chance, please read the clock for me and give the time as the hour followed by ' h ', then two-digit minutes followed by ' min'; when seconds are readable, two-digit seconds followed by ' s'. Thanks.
10 h 35 min
